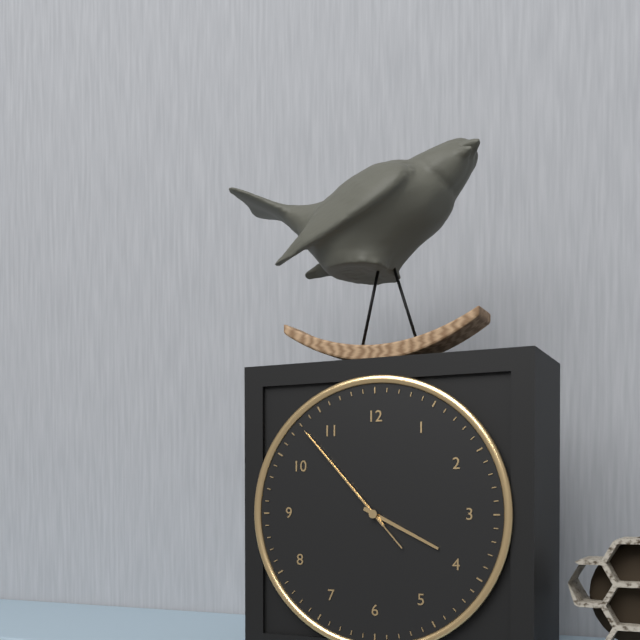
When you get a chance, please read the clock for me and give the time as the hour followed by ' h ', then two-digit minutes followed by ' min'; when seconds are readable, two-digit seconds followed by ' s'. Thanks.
3 h 53 min 53 s
